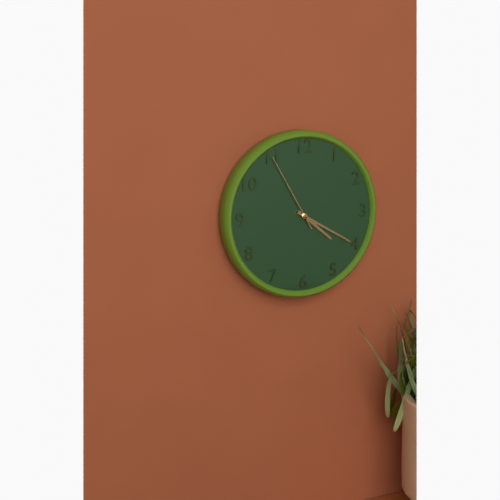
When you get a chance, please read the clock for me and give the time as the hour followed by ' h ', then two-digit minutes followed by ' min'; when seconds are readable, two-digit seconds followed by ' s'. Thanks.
4 h 20 min 55 s
